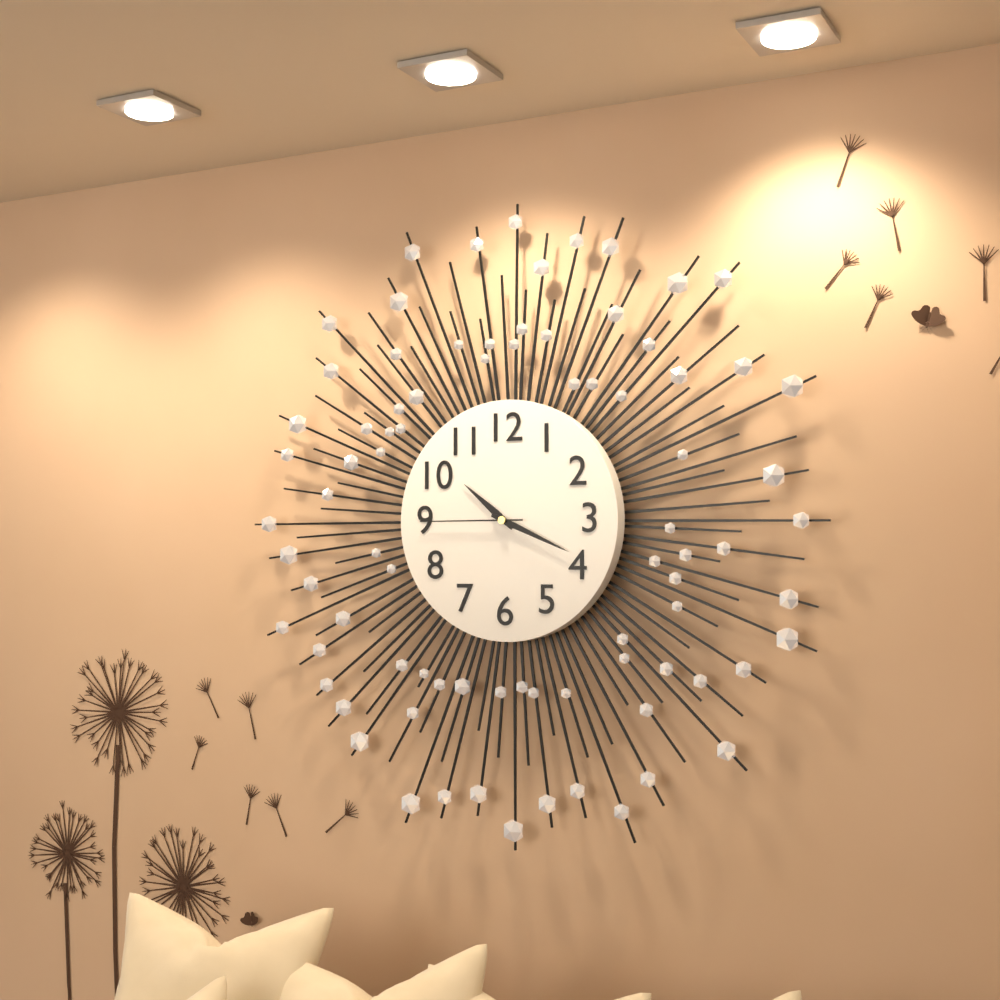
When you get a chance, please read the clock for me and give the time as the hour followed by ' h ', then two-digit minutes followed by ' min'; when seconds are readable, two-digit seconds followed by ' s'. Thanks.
10 h 19 min 45 s
